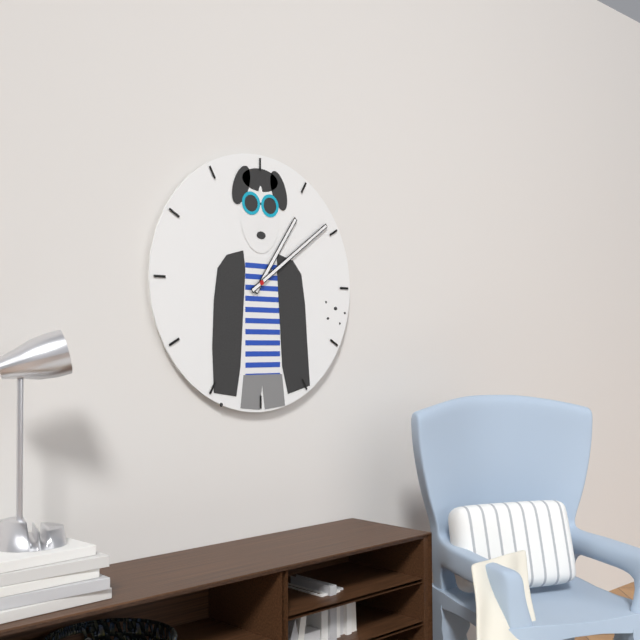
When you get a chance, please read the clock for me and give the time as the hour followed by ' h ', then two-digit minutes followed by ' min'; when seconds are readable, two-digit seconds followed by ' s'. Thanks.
1 h 09 min
